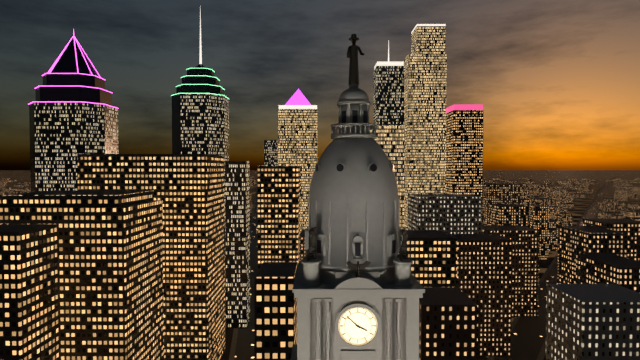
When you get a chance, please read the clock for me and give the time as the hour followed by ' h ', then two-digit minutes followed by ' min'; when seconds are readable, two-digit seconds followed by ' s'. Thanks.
3 h 52 min
